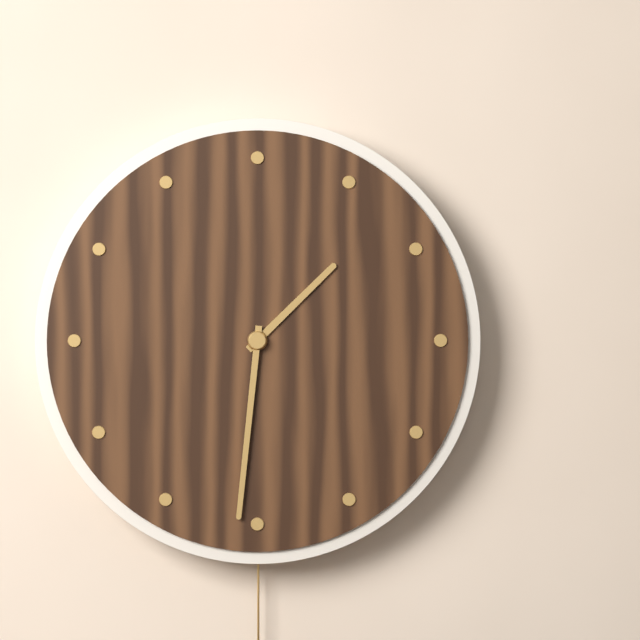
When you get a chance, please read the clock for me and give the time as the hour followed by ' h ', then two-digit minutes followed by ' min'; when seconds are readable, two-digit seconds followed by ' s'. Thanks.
1 h 31 min
